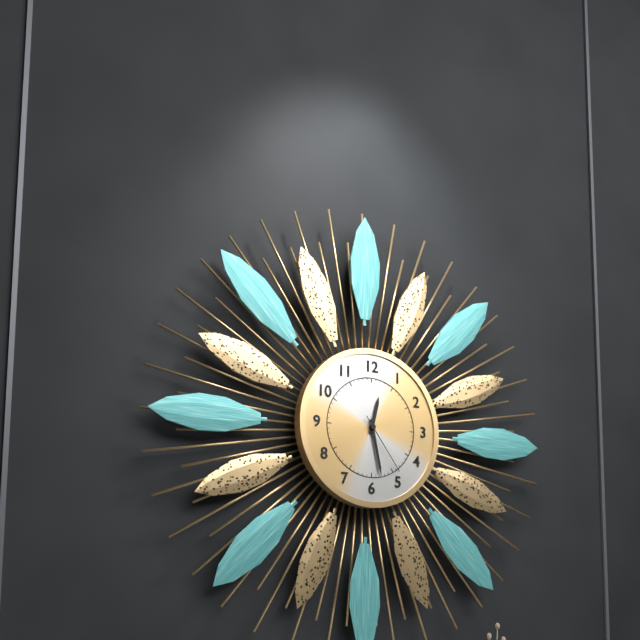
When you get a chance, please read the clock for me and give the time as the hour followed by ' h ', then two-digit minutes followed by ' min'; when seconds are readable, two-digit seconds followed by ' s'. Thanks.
12 h 28 min 24 s
